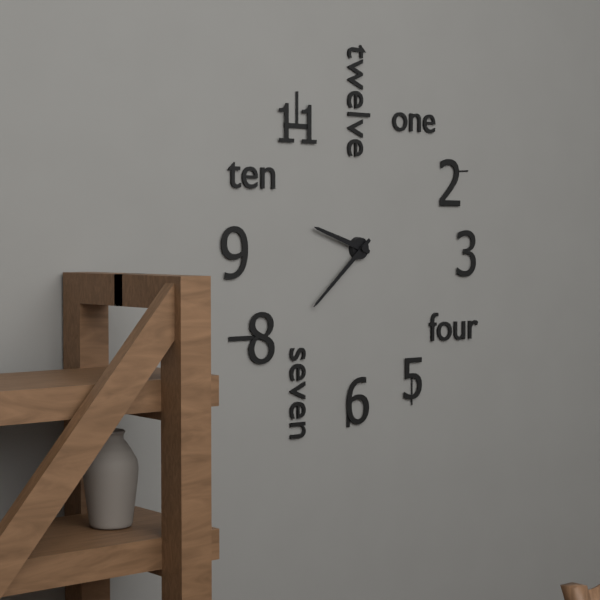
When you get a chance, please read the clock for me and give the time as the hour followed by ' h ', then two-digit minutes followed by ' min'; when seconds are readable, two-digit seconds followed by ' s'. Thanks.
9 h 38 min
